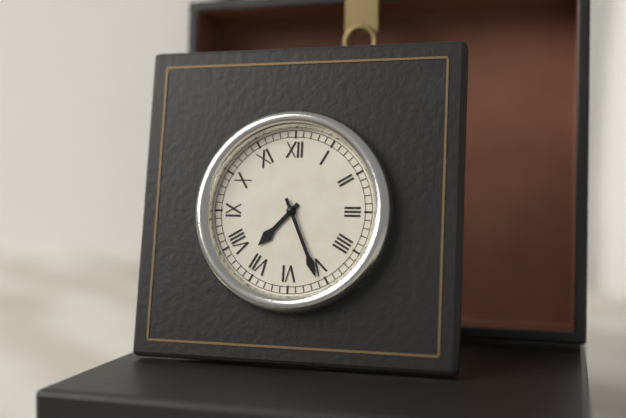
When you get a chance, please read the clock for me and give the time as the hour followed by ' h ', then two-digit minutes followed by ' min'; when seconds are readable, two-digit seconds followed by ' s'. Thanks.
7 h 26 min
